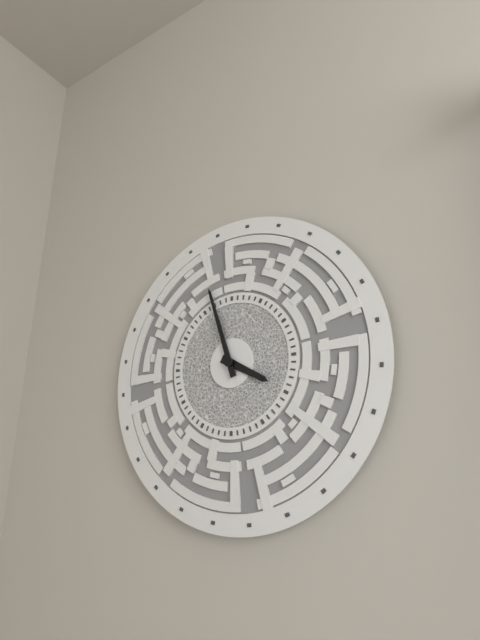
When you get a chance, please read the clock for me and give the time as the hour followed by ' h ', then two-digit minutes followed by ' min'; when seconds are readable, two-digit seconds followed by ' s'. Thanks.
3 h 57 min
